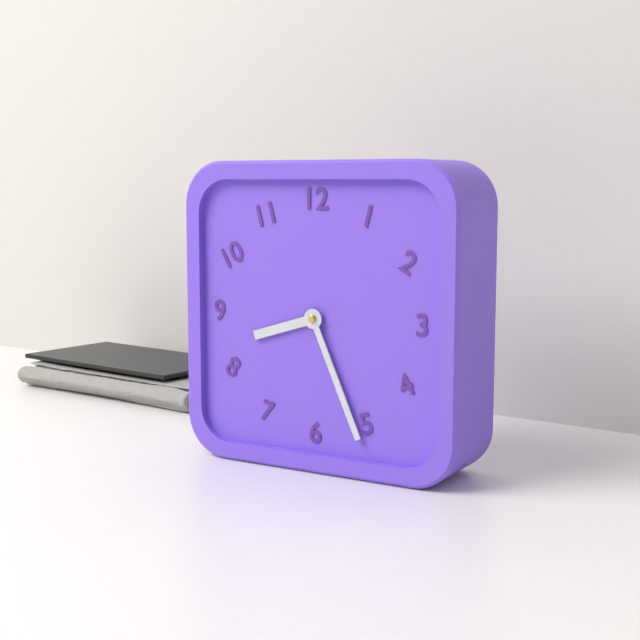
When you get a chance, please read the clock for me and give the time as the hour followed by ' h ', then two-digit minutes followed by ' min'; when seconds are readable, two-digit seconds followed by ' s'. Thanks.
8 h 26 min
